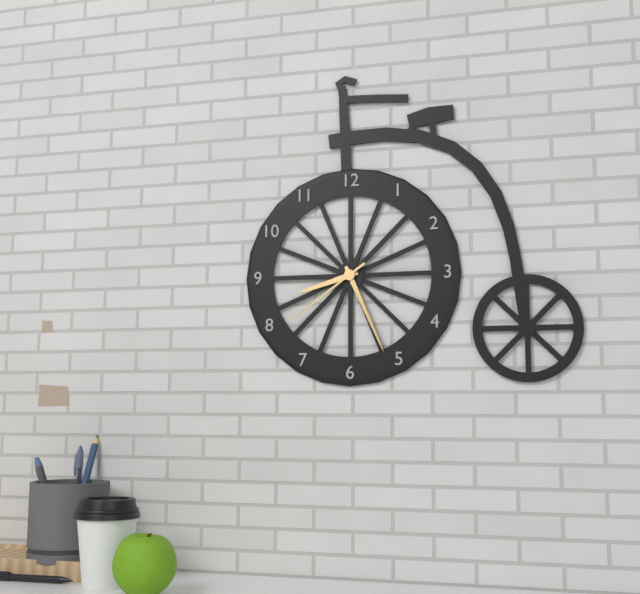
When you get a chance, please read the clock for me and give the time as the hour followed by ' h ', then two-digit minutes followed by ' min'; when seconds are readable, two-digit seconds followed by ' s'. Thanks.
8 h 26 min 39 s
